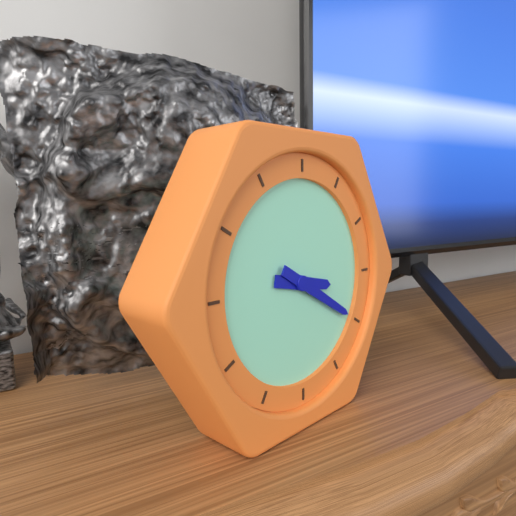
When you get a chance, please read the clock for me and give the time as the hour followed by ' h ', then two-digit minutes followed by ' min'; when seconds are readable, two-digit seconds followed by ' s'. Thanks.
3 h 20 min
